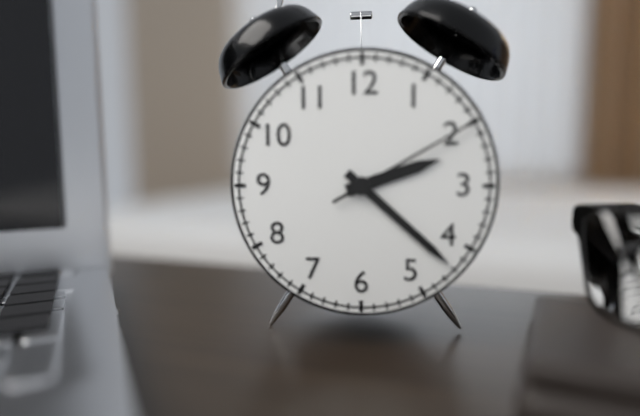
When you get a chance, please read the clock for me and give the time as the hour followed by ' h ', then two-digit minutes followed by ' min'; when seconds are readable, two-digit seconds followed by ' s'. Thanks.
2 h 22 min 10 s
